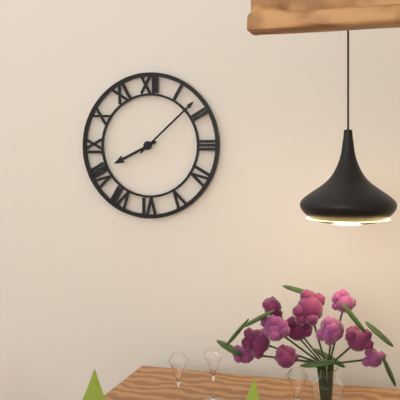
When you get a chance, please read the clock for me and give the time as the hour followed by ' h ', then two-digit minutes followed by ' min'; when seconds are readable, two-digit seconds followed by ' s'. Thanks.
8 h 08 min
